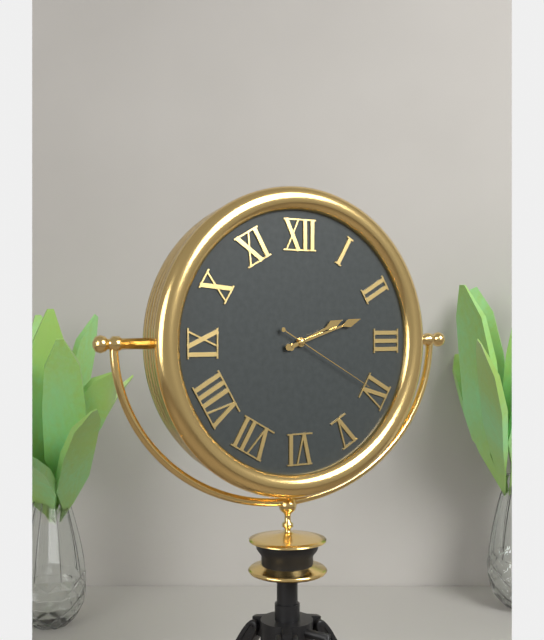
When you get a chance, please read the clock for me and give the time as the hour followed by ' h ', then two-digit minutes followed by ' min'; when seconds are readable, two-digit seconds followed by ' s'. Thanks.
2 h 12 min 20 s
